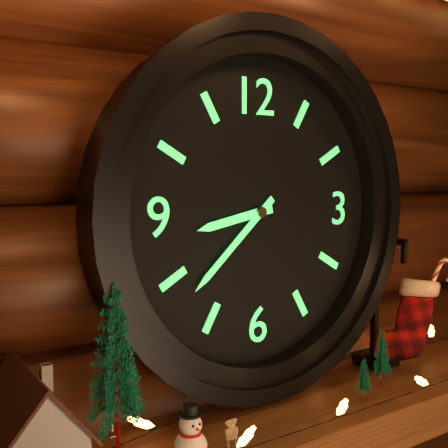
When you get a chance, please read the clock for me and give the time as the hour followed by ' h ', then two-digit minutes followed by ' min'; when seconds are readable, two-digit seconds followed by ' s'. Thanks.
8 h 38 min
